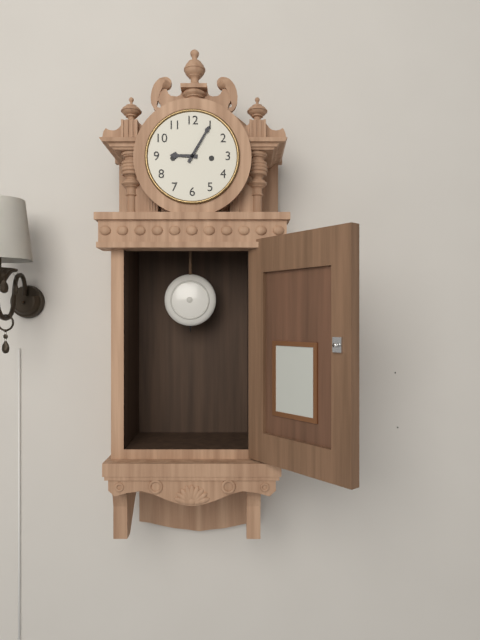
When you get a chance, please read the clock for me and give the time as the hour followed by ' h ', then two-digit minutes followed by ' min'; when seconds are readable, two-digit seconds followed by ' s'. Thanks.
9 h 05 min
